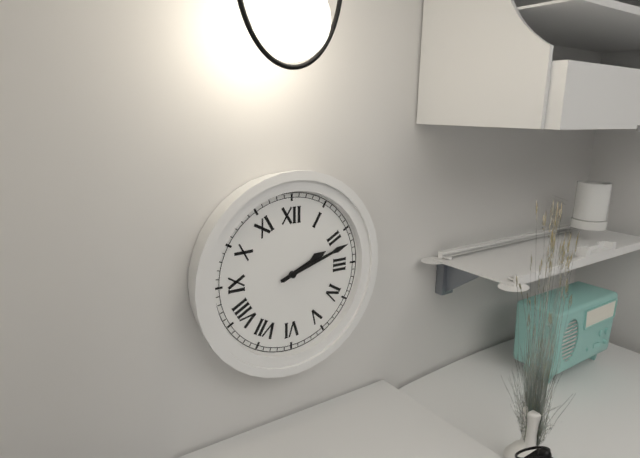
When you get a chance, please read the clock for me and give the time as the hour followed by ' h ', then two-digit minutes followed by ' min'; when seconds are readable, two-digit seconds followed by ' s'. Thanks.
2 h 12 min
